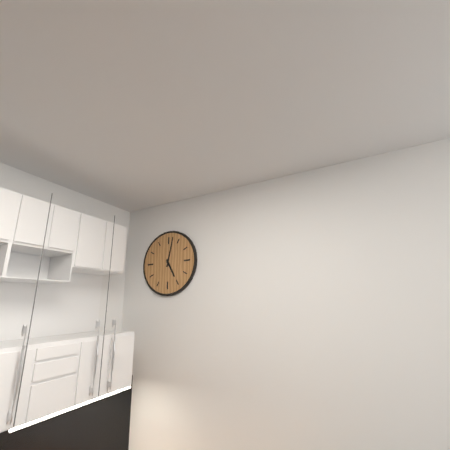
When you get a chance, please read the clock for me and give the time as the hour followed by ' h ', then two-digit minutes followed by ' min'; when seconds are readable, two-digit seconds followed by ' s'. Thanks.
5 h 02 min
